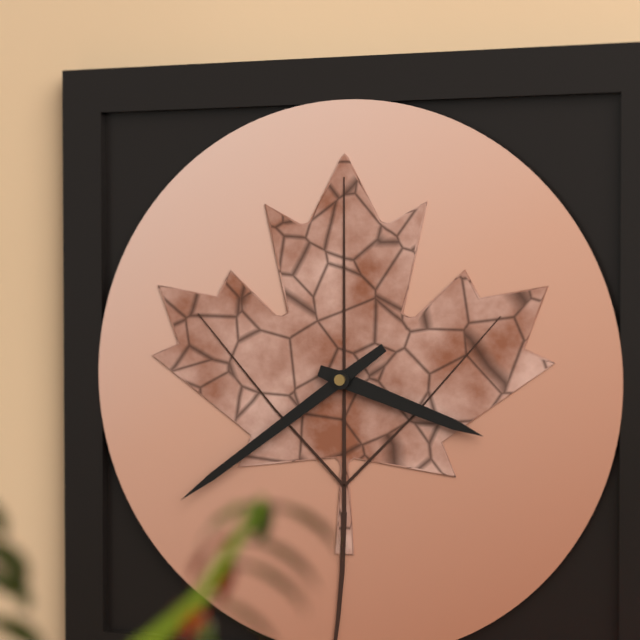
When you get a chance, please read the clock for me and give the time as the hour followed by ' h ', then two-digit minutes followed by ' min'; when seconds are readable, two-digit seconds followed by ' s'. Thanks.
3 h 39 min
